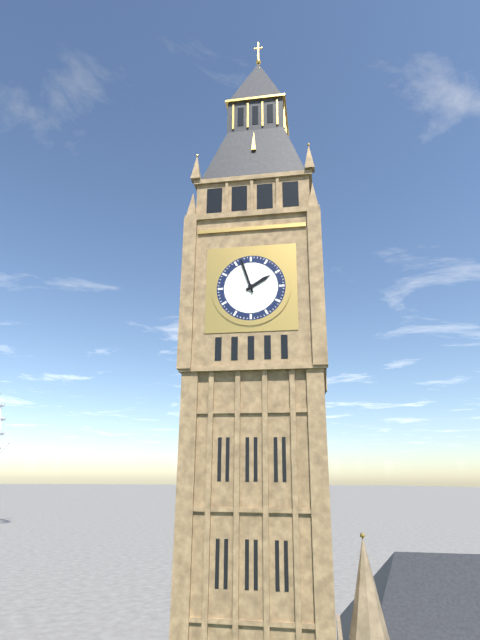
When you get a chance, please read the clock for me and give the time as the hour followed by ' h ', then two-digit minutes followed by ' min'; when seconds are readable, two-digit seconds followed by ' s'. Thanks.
1 h 57 min
